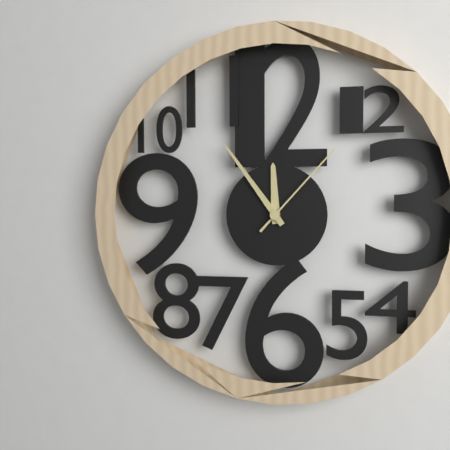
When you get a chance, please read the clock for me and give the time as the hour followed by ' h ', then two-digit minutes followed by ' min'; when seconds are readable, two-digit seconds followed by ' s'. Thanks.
11 h 54 min 07 s
